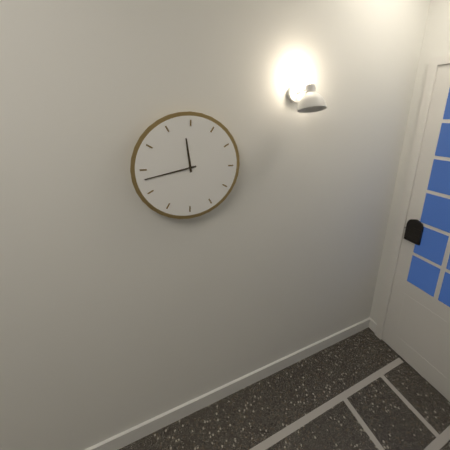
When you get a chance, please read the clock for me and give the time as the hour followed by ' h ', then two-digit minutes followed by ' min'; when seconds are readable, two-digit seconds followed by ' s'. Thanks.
11 h 43 min
